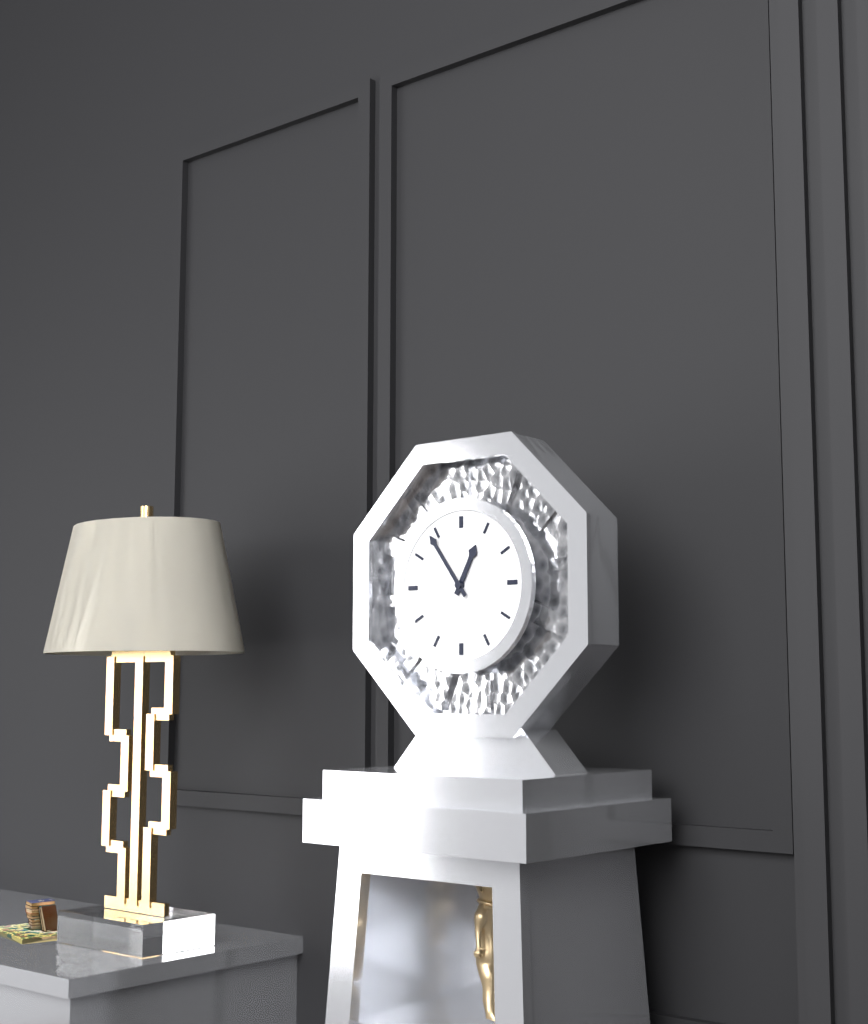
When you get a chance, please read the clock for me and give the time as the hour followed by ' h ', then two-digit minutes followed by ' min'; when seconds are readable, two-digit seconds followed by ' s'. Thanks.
12 h 54 min
